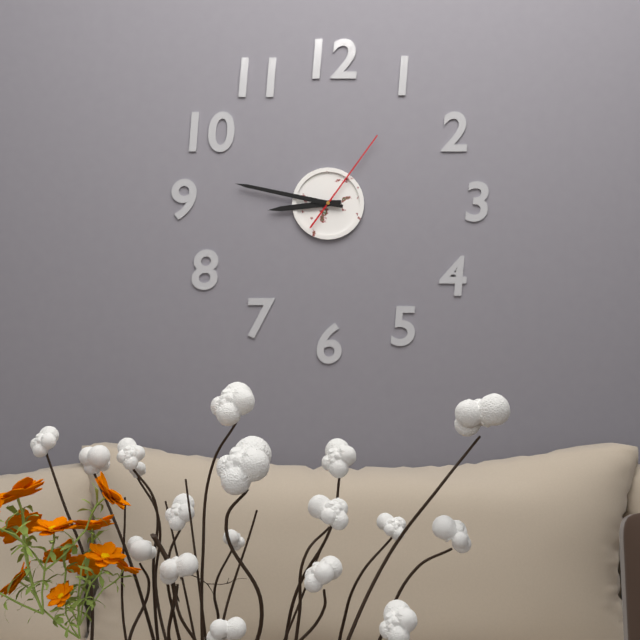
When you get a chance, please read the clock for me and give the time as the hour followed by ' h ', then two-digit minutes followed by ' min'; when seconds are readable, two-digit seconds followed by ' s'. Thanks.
8 h 47 min 06 s
